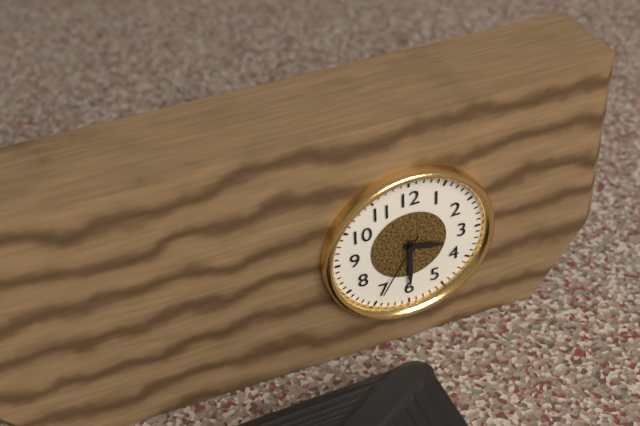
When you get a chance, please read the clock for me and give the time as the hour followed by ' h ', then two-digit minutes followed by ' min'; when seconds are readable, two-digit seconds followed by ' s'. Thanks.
3 h 30 min 35 s
